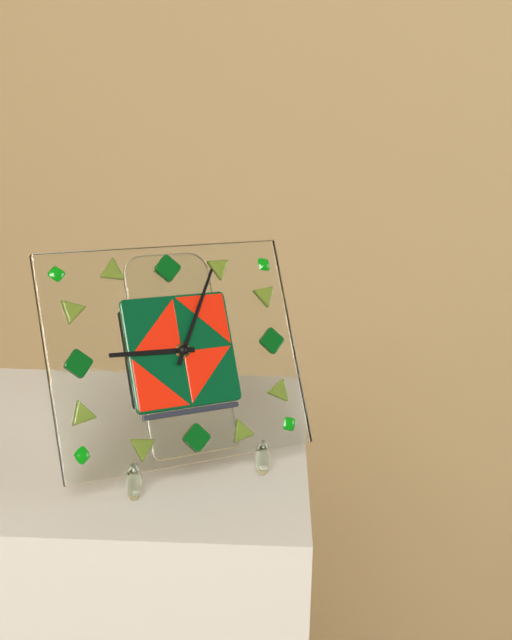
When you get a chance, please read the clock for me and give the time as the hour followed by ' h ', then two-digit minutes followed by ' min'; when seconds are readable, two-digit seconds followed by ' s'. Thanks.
9 h 05 min
